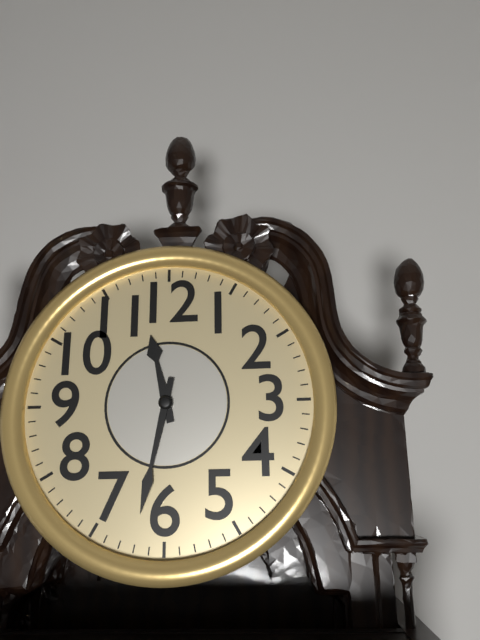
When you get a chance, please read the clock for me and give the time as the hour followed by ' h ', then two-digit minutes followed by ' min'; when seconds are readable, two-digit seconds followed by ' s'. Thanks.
11 h 32 min
